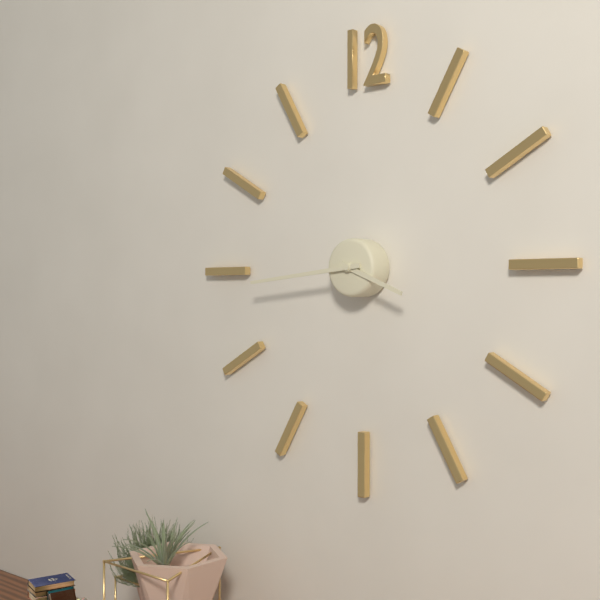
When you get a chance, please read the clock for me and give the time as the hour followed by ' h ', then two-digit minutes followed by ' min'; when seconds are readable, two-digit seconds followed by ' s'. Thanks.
3 h 44 min
